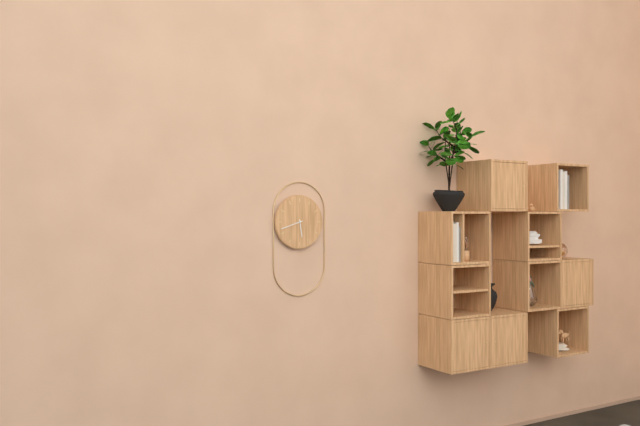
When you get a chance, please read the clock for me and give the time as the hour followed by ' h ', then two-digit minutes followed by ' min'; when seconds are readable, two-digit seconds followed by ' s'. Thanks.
5 h 42 min
